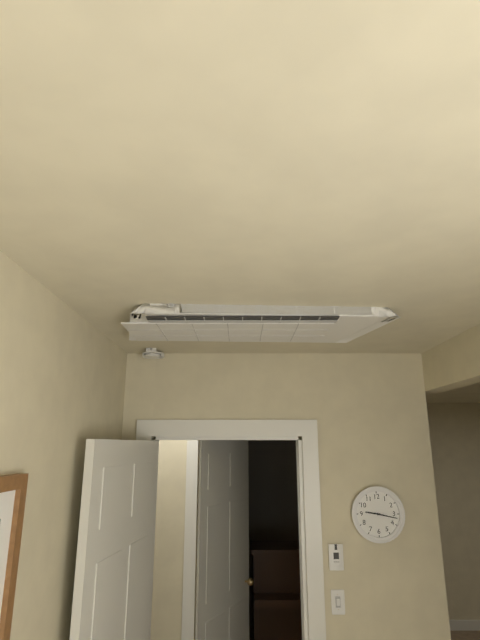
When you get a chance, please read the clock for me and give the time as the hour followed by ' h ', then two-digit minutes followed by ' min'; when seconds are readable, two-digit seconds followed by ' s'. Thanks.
9 h 17 min
